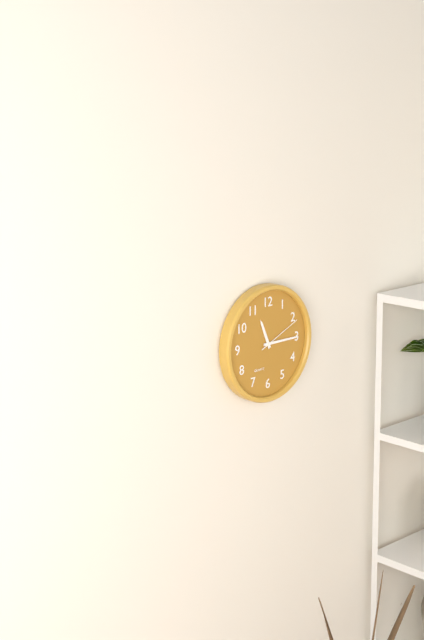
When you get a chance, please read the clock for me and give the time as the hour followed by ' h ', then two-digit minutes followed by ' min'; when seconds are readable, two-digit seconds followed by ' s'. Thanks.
11 h 15 min
